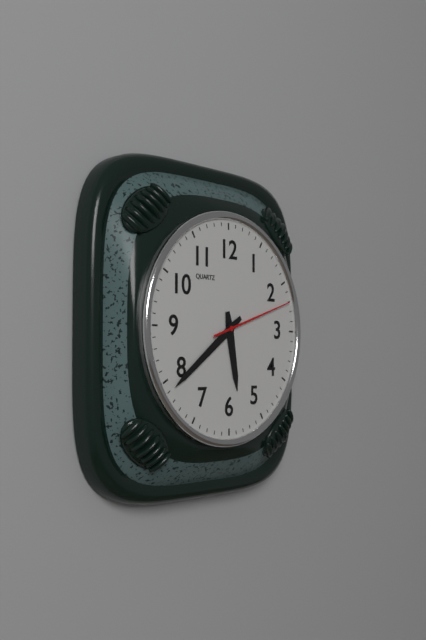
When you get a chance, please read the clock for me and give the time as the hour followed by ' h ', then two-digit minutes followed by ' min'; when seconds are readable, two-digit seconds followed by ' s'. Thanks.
5 h 39 min 12 s
